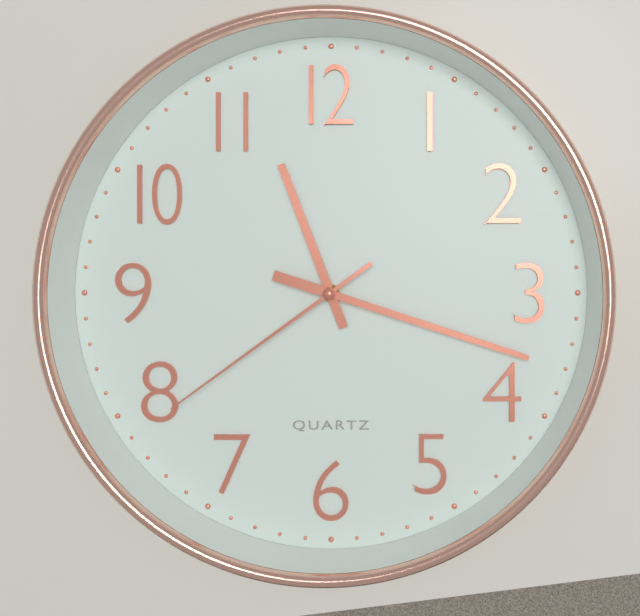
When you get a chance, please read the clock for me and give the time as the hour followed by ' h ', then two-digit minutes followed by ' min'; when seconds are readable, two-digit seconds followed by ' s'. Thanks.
11 h 18 min 39 s
